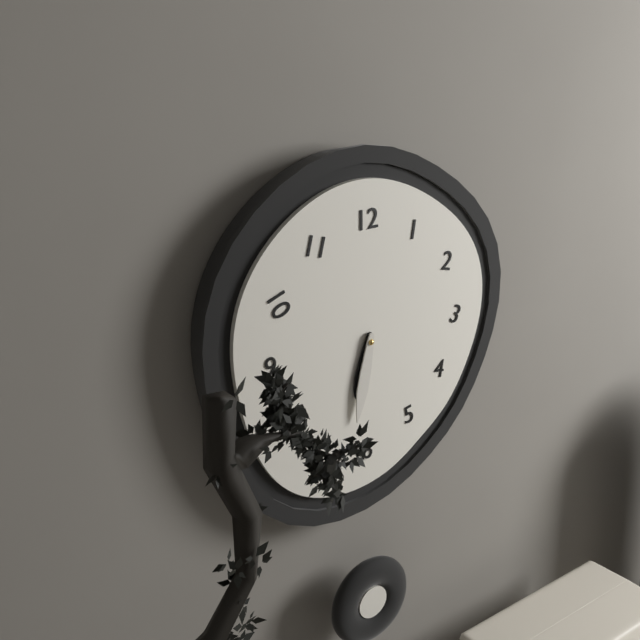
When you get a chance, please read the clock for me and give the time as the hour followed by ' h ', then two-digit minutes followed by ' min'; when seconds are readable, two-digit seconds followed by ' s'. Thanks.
6 h 32 min
